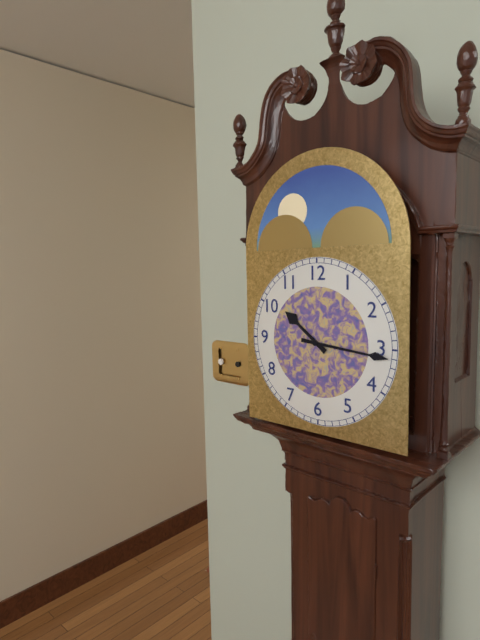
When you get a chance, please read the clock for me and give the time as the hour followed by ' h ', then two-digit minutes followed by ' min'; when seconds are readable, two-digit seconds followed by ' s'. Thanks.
10 h 16 min
